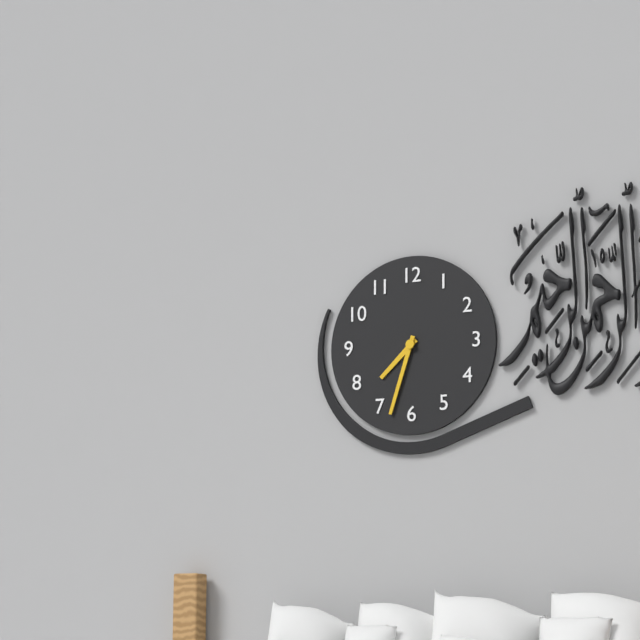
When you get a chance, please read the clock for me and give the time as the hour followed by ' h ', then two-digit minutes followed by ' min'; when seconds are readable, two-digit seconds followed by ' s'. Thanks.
7 h 33 min
